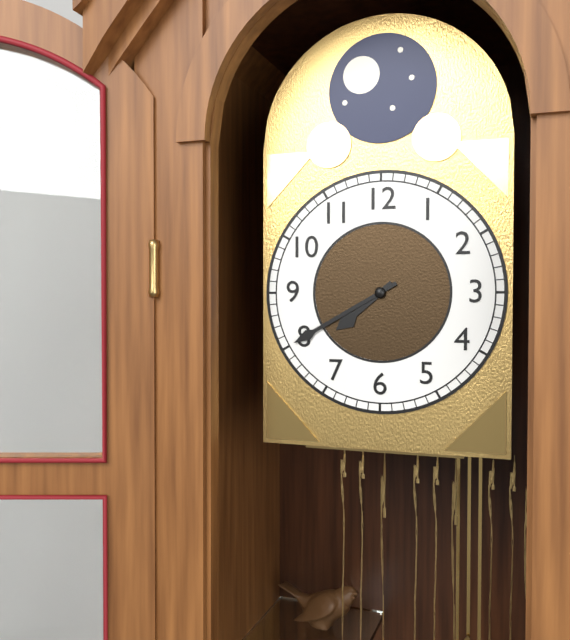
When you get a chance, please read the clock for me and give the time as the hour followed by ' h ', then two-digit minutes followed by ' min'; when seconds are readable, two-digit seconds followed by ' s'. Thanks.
7 h 40 min
